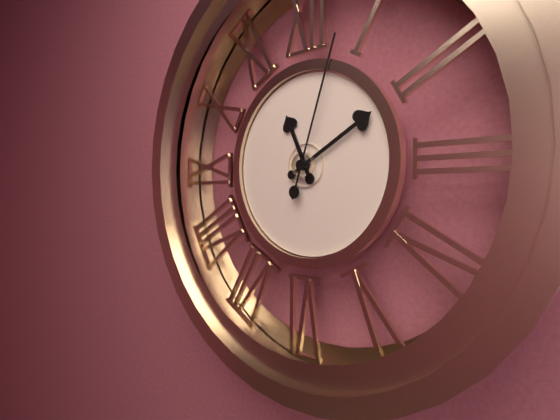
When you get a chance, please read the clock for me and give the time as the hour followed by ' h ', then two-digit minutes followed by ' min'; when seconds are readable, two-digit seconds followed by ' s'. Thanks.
11 h 10 min 03 s
